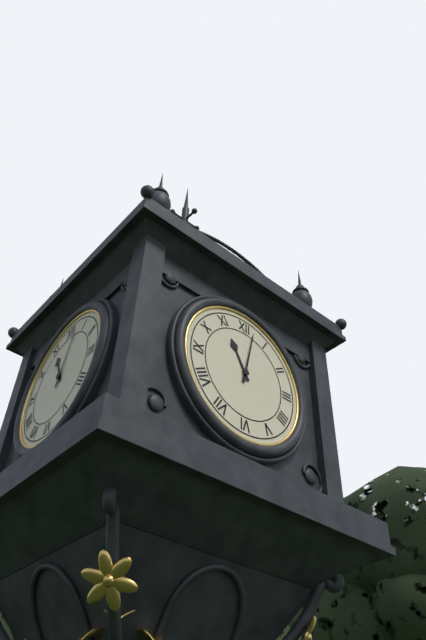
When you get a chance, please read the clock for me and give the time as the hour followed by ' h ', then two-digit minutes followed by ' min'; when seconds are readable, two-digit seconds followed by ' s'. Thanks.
11 h 02 min
